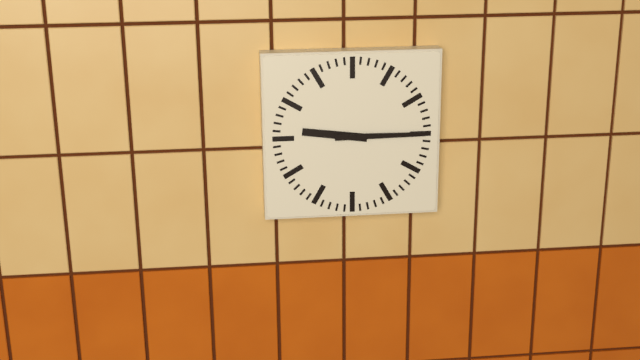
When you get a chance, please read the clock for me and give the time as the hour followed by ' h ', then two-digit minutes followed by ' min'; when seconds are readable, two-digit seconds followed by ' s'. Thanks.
9 h 15 min
